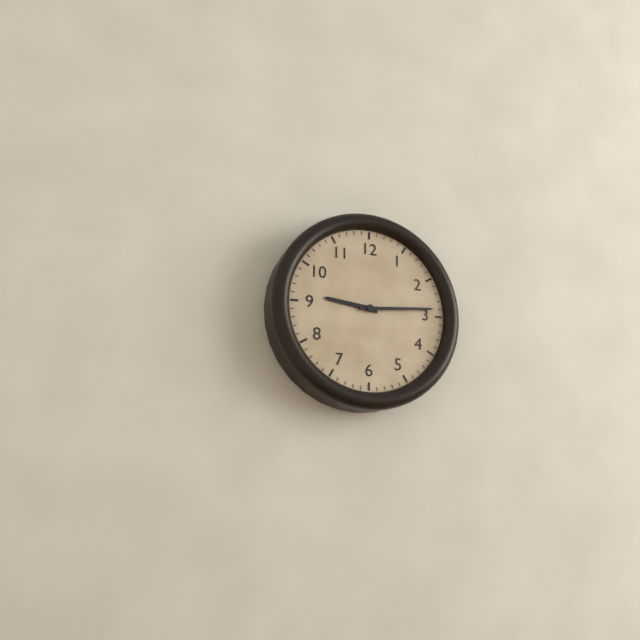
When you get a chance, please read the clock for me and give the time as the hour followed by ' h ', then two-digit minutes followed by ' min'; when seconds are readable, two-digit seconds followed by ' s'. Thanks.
9 h 14 min
